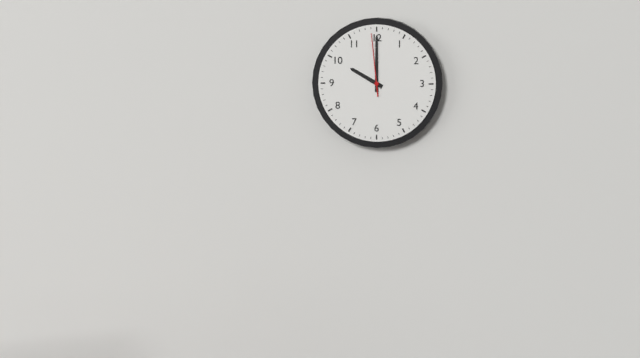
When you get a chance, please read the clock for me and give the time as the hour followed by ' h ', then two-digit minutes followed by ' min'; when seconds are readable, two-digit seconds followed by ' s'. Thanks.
10 h 00 min 59 s
